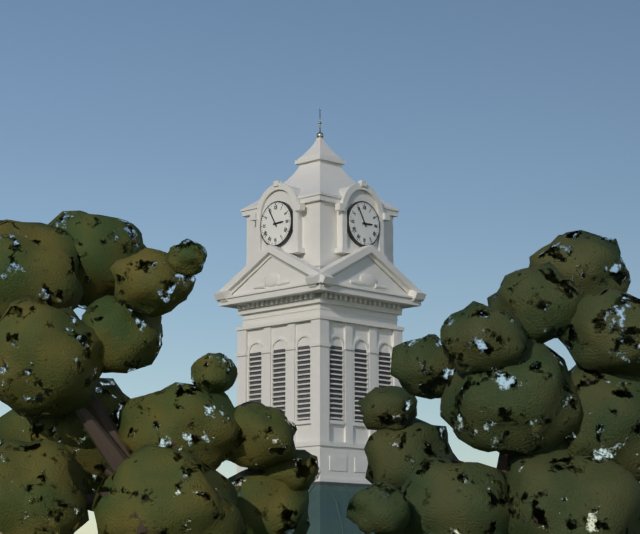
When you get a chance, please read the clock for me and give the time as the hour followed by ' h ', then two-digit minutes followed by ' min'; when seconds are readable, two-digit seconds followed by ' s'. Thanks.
2 h 55 min
